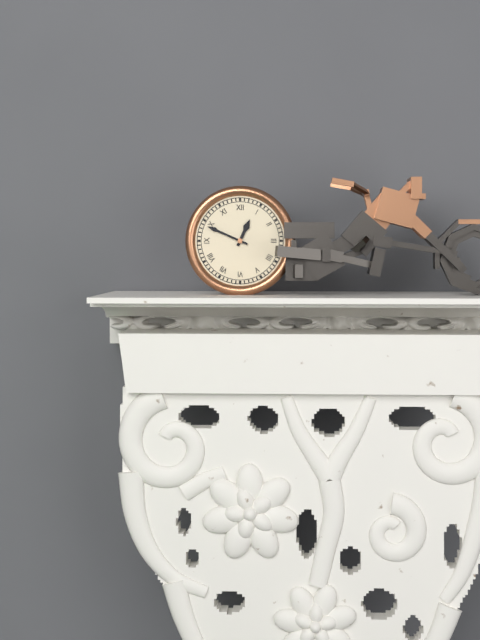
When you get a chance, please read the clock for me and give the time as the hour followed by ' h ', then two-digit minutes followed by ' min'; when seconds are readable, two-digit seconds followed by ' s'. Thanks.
12 h 49 min
